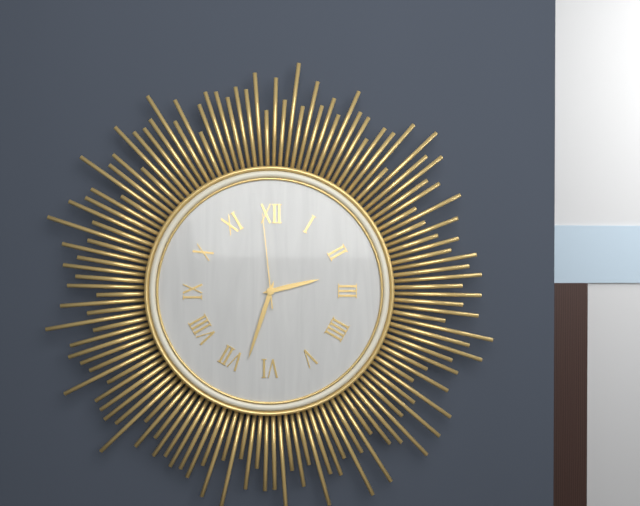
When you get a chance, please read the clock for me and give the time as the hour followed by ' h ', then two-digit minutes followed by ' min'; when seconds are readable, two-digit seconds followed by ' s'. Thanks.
2 h 33 min 59 s
